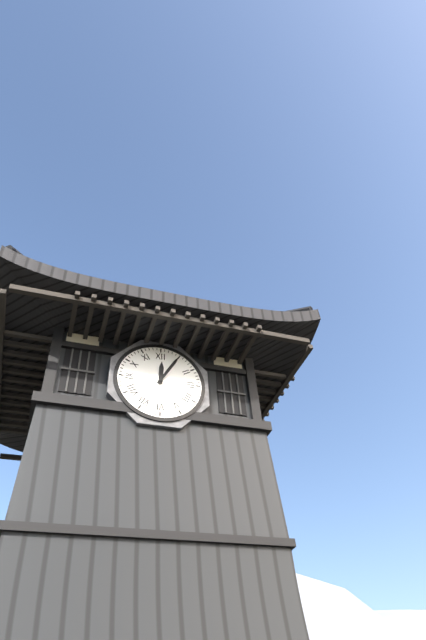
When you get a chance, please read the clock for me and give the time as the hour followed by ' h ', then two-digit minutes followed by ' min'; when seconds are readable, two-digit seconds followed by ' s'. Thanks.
12 h 05 min
